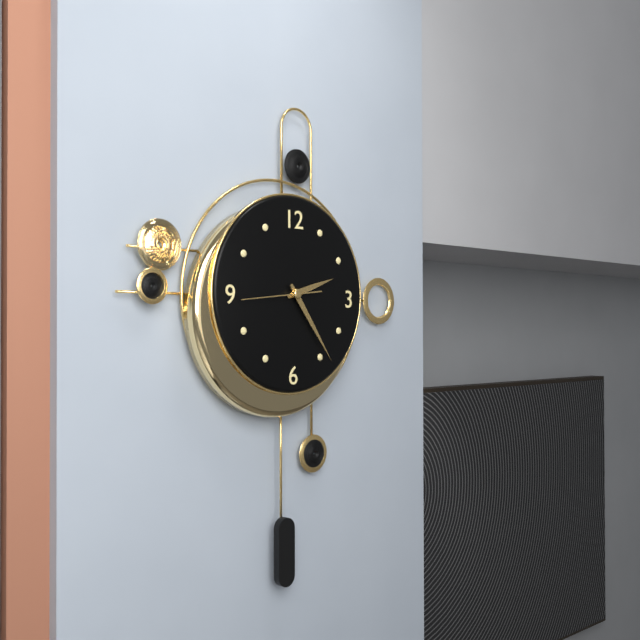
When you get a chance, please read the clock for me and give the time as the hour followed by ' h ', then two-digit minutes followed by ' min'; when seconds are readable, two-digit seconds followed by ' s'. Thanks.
2 h 24 min
